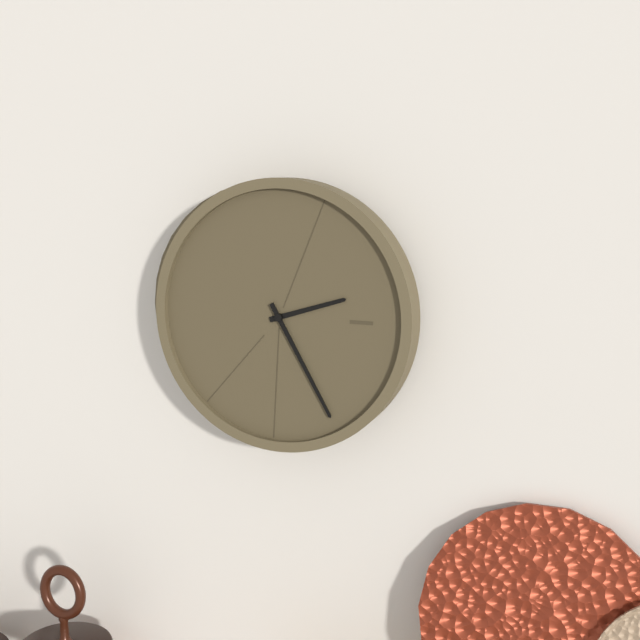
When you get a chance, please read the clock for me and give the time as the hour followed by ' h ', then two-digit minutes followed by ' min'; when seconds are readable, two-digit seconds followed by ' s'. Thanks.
2 h 25 min
